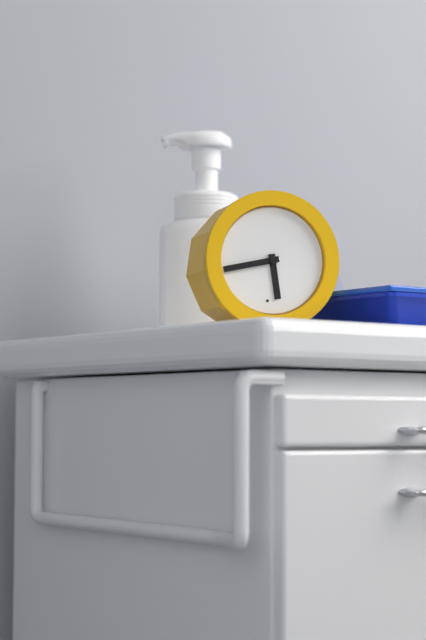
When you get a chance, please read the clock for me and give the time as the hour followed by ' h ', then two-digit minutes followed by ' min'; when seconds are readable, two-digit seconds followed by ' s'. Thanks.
5 h 43 min
